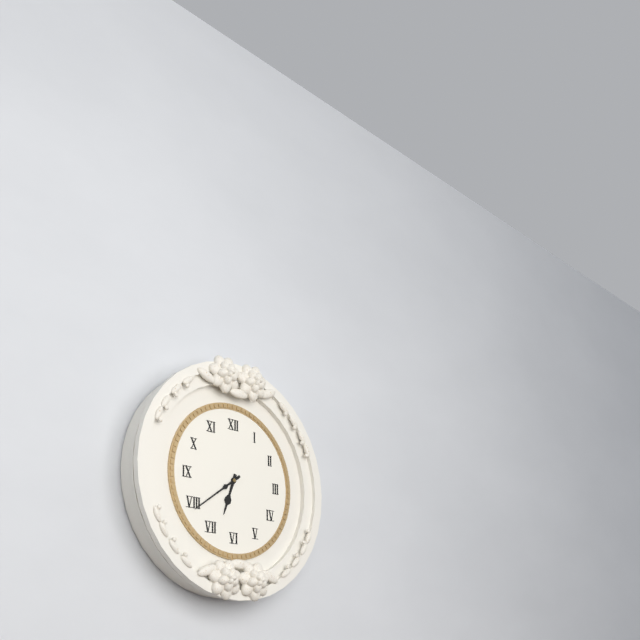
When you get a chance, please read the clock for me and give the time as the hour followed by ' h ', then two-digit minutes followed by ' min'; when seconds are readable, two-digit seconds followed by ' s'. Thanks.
6 h 39 min
